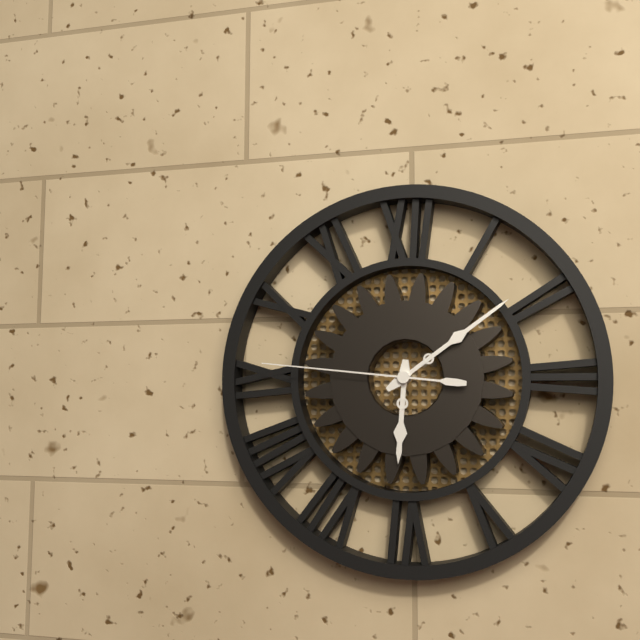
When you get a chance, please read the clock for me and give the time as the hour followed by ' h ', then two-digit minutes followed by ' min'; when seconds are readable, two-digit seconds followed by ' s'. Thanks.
6 h 09 min 46 s
